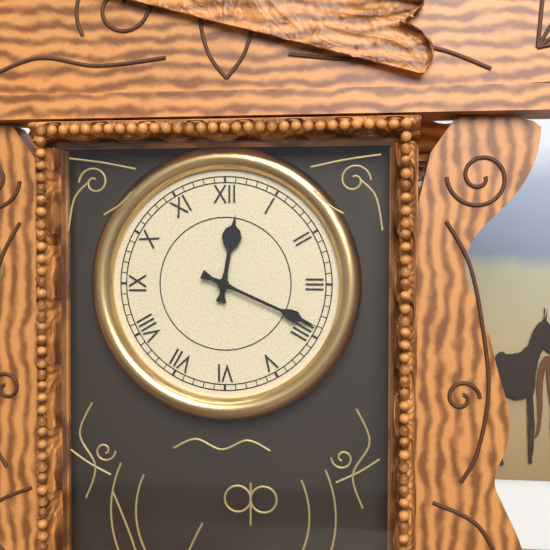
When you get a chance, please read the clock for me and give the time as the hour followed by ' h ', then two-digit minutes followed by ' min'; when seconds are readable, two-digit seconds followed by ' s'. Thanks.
12 h 19 min
